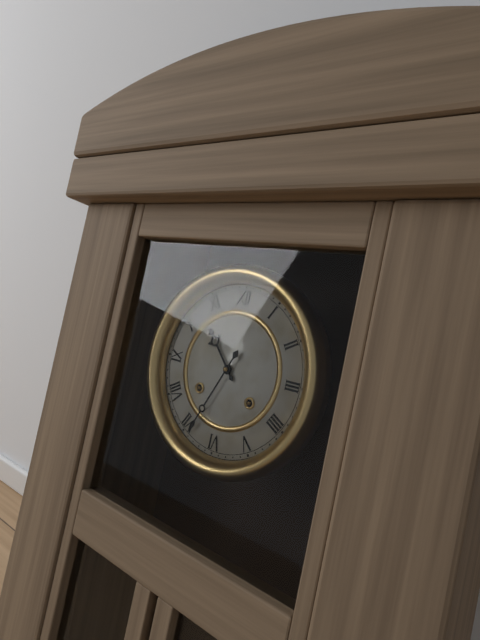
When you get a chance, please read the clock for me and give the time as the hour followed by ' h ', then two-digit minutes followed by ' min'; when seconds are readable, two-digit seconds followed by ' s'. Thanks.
10 h 34 min
